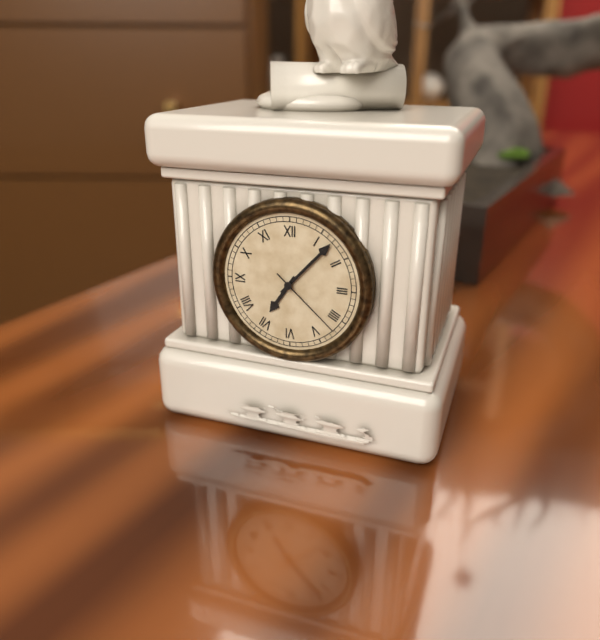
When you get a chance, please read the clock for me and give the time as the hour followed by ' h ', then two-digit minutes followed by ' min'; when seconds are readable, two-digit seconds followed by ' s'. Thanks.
7 h 07 min 22 s
